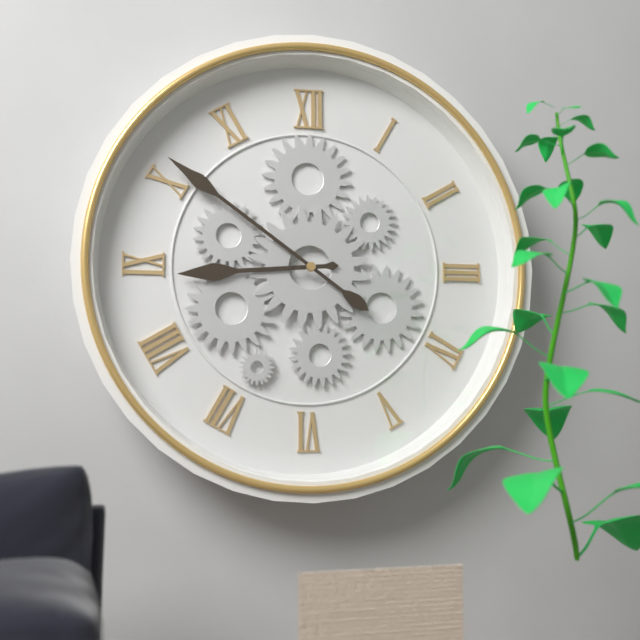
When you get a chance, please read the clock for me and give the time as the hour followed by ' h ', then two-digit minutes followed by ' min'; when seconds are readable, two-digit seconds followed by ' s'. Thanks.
8 h 51 min
